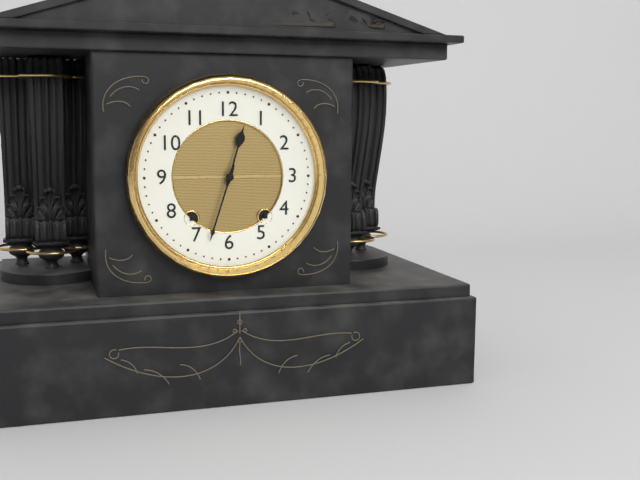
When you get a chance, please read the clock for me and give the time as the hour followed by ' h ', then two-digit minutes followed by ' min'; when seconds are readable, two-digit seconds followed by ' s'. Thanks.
12 h 33 min
